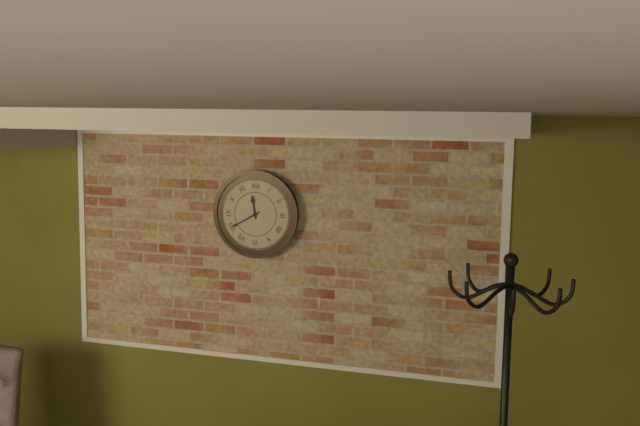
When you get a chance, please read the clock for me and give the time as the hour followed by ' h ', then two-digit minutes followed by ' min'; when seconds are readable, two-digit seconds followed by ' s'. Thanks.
11 h 40 min
